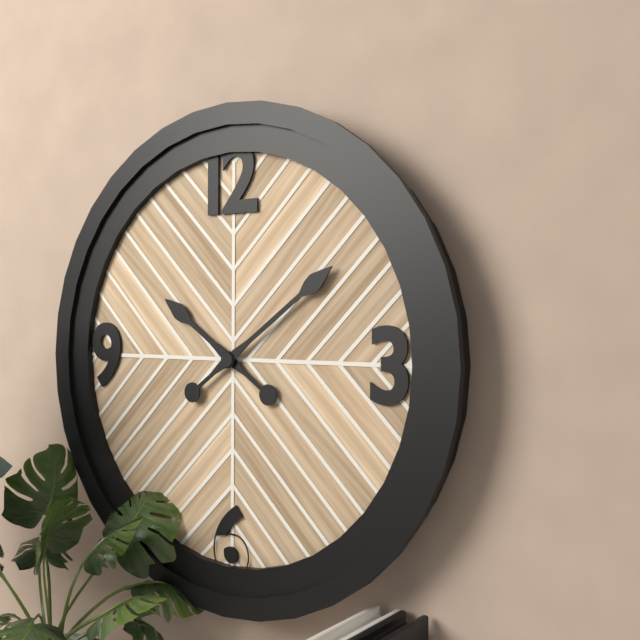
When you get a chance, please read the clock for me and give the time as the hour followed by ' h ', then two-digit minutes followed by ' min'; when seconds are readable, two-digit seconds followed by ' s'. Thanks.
10 h 09 min
